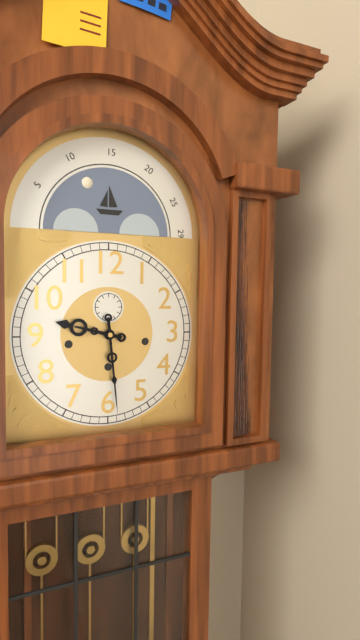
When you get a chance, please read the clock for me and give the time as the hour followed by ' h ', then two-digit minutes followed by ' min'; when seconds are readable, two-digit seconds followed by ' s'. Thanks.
9 h 29 min
